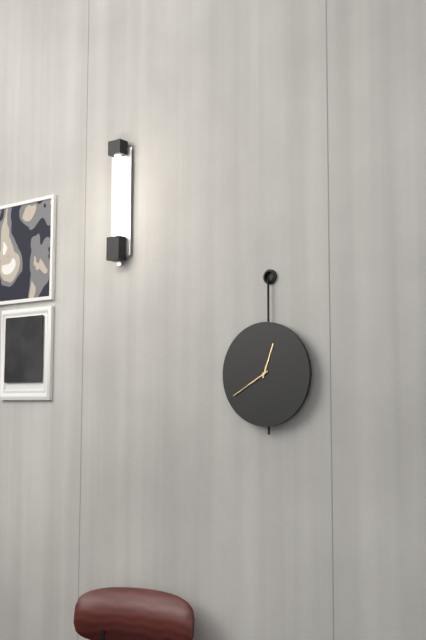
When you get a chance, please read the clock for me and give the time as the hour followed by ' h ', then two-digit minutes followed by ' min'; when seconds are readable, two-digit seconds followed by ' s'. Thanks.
12 h 40 min
